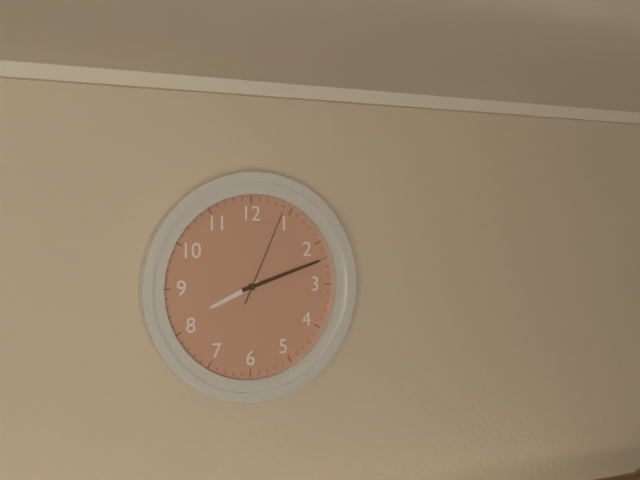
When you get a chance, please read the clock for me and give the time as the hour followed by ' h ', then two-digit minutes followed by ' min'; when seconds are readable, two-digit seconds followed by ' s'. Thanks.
8 h 12 min 04 s
